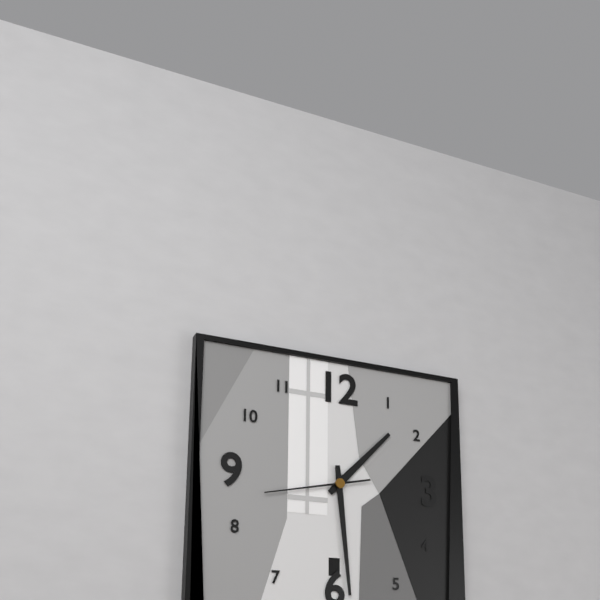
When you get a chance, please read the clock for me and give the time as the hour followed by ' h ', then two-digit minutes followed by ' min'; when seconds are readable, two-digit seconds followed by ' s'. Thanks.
1 h 29 min 43 s
